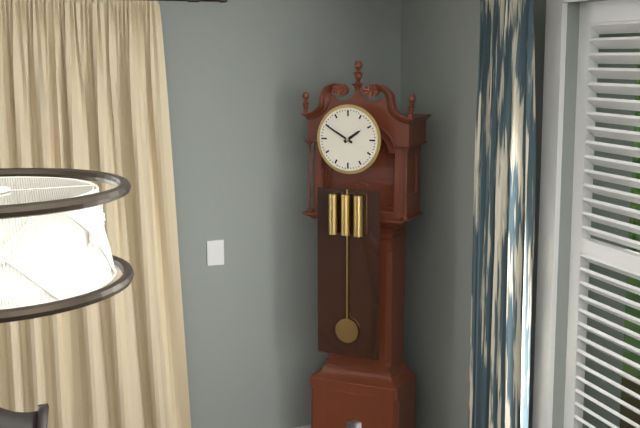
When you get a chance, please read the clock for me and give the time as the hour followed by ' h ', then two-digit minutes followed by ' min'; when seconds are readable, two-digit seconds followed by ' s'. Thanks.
1 h 50 min
